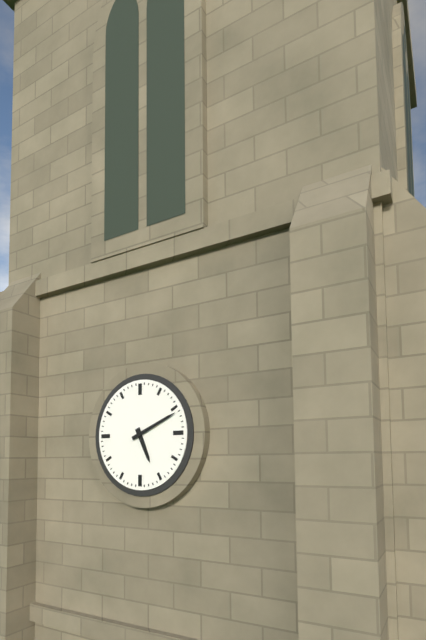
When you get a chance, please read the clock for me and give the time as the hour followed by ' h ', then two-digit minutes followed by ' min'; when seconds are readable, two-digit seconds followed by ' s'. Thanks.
5 h 11 min
